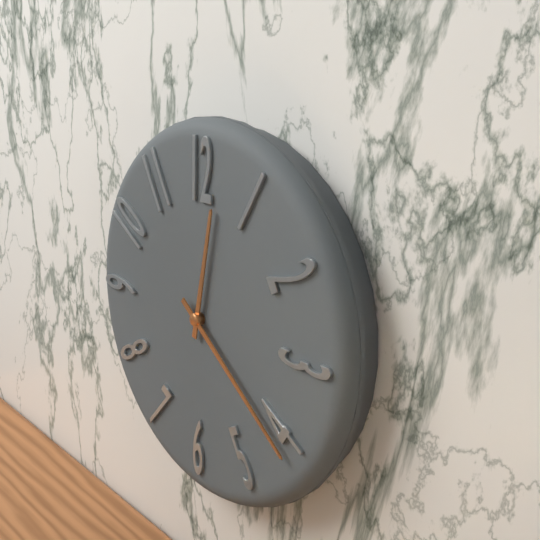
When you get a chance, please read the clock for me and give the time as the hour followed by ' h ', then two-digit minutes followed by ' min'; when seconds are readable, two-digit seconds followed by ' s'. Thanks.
12 h 21 min
